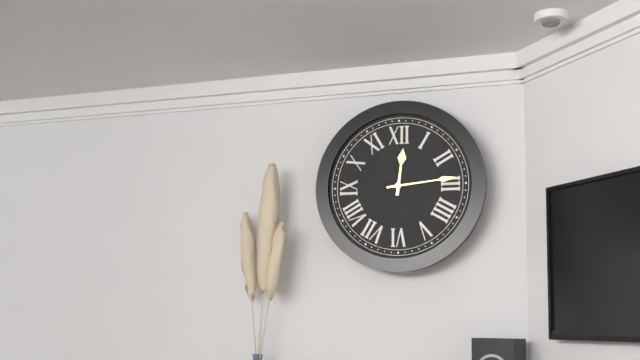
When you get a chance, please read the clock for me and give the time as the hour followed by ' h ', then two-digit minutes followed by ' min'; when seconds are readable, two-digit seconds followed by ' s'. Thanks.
12 h 14 min
